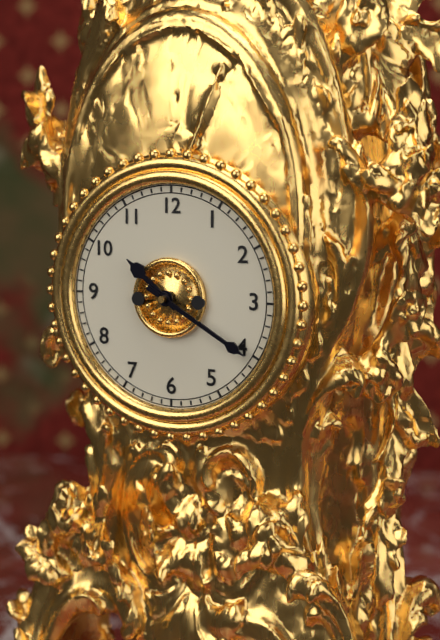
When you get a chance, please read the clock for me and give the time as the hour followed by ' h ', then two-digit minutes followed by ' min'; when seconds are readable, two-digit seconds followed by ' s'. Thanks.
10 h 20 min
